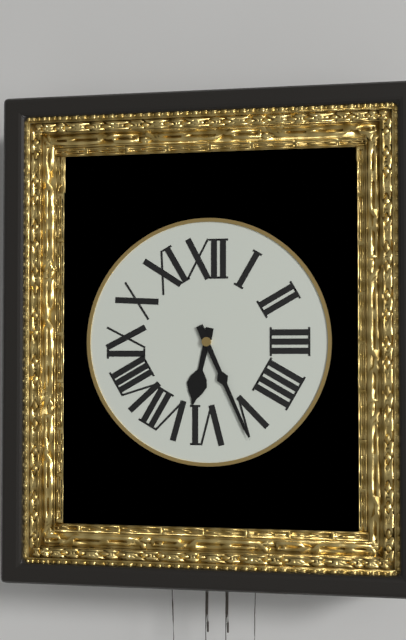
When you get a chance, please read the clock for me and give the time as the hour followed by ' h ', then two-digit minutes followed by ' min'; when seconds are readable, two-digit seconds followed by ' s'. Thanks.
6 h 26 min
